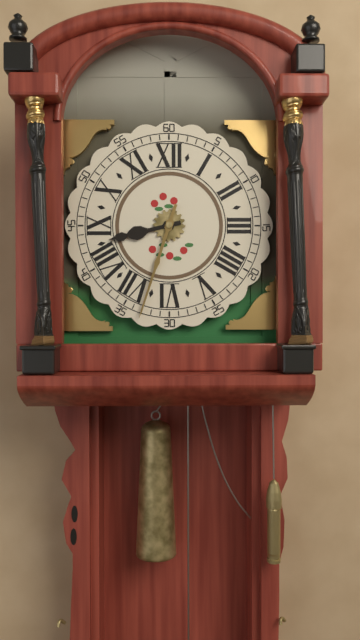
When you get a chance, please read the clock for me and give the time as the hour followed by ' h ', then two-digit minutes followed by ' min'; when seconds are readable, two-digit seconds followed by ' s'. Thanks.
8 h 33 min
